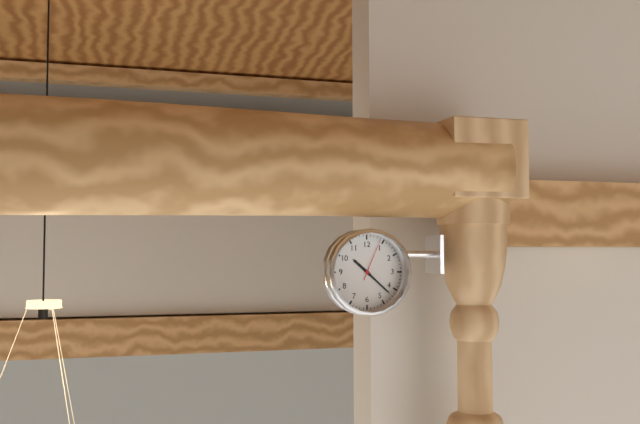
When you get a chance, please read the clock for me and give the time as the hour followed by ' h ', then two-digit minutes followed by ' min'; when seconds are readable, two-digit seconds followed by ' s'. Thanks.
10 h 22 min
